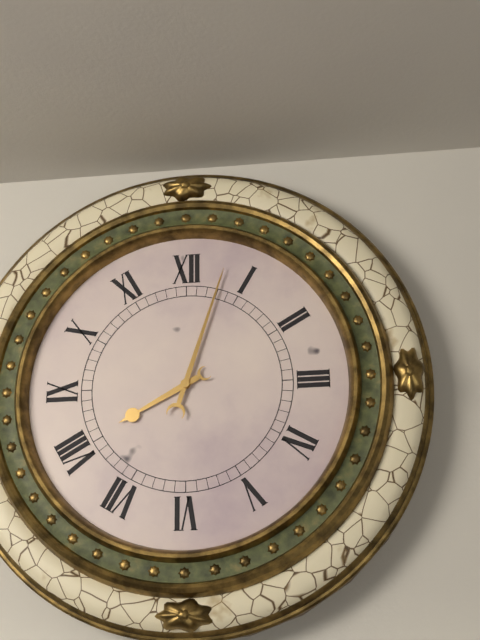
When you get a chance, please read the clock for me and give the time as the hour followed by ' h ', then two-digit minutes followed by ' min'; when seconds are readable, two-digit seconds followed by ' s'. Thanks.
8 h 03 min
